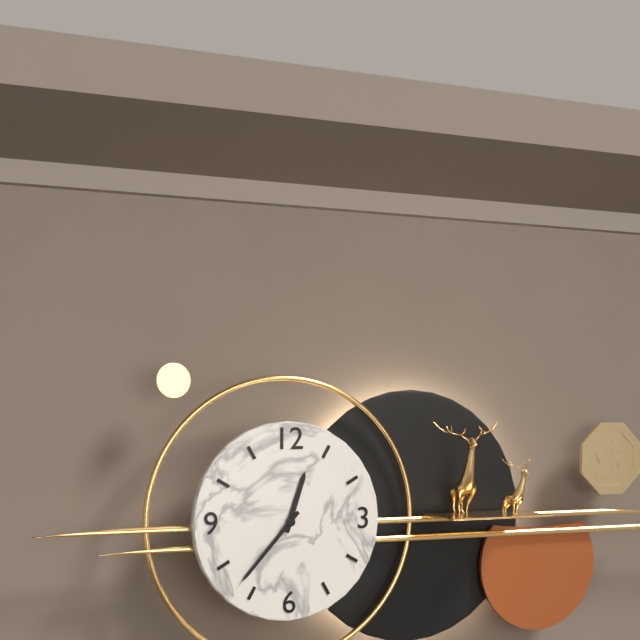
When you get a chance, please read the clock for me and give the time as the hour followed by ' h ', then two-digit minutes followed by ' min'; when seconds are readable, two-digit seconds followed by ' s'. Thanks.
12 h 37 min
